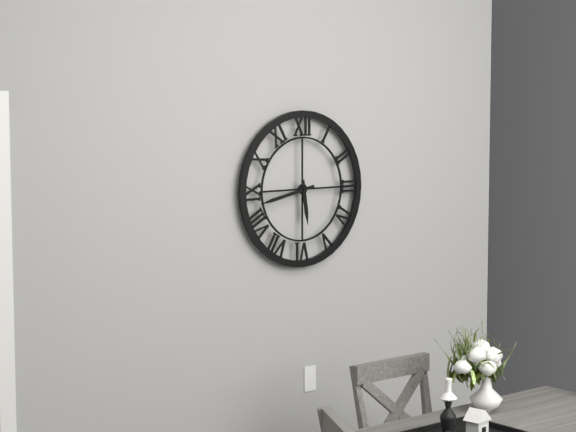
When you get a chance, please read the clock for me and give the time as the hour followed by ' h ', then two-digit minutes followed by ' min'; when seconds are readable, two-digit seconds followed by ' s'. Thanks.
5 h 43 min
